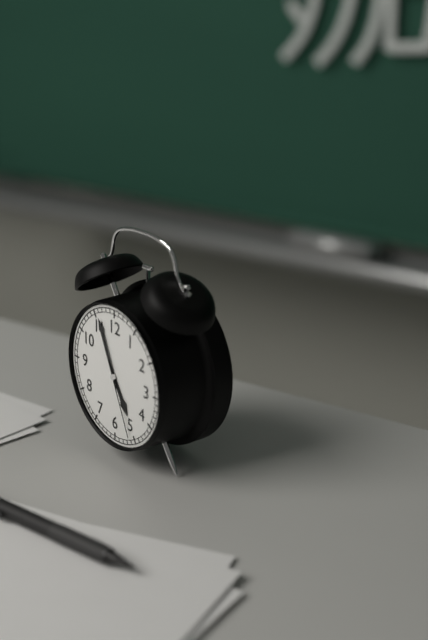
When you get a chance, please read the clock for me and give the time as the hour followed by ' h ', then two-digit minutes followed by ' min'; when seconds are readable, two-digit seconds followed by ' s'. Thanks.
4 h 56 min 26 s
